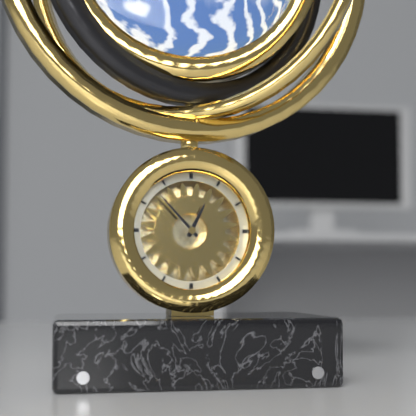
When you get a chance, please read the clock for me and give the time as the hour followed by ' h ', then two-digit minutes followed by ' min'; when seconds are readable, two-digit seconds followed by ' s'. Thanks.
12 h 53 min
